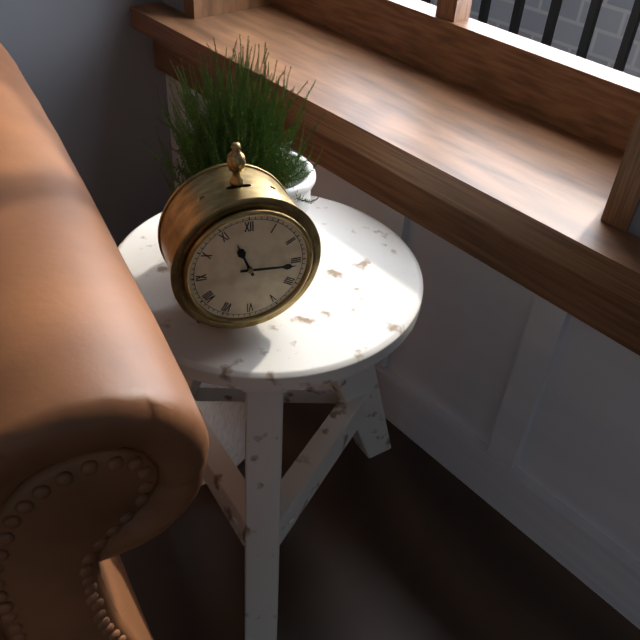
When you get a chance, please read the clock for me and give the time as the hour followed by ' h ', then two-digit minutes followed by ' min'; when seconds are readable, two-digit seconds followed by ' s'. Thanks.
11 h 16 min
